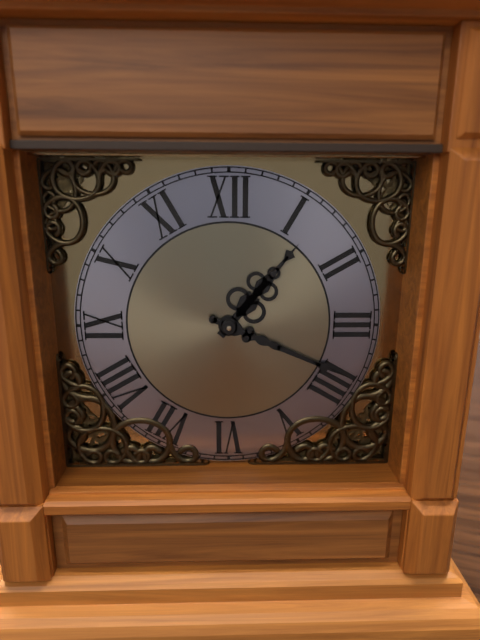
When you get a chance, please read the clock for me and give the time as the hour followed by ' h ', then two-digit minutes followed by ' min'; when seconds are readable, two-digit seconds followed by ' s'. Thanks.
1 h 19 min
